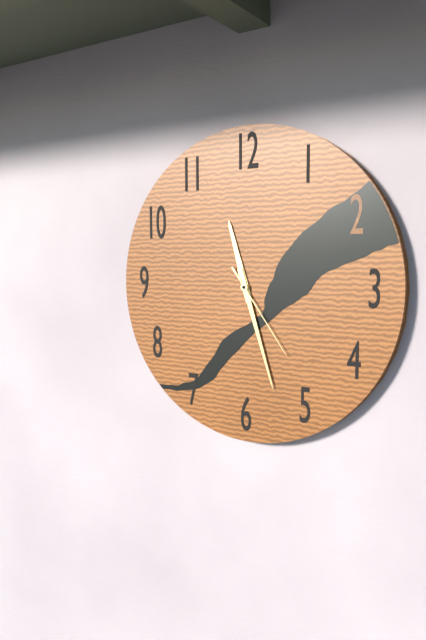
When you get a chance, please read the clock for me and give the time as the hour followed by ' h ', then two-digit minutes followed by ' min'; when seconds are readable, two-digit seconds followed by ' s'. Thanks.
11 h 27 min 24 s
